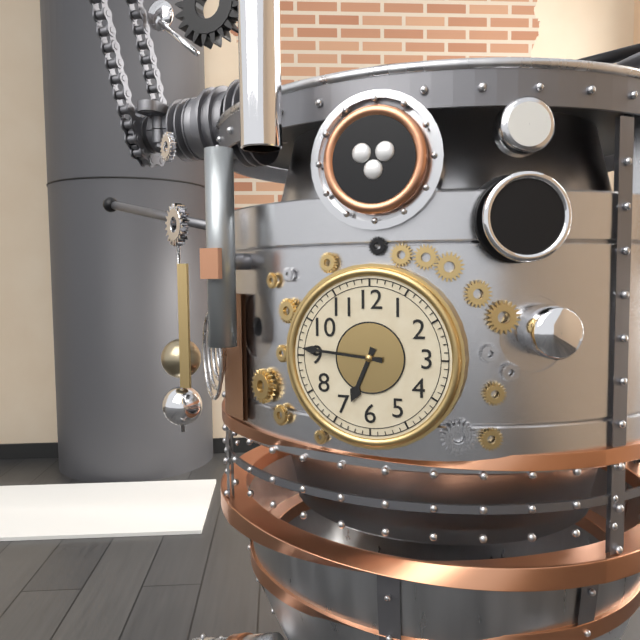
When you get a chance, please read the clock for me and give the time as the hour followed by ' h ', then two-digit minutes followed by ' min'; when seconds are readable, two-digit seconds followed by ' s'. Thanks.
6 h 46 min
